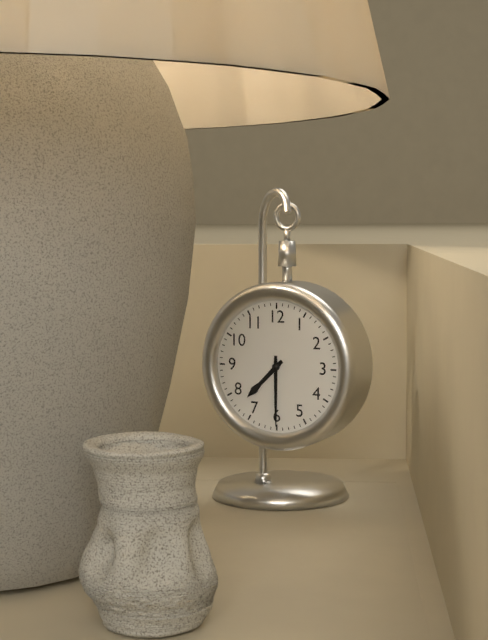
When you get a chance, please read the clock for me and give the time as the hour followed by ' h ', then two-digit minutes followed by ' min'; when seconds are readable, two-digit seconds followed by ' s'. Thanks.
7 h 30 min
